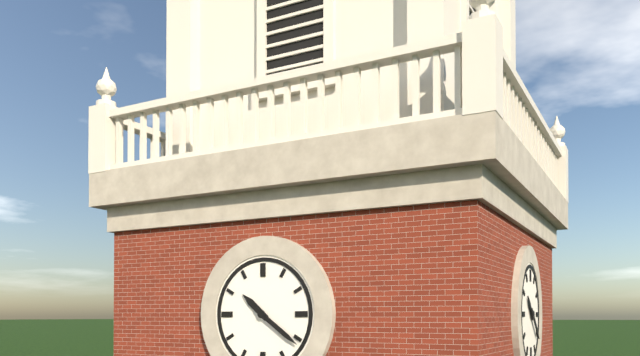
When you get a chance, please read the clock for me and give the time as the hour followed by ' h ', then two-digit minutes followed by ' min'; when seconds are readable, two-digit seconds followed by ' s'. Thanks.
10 h 21 min
